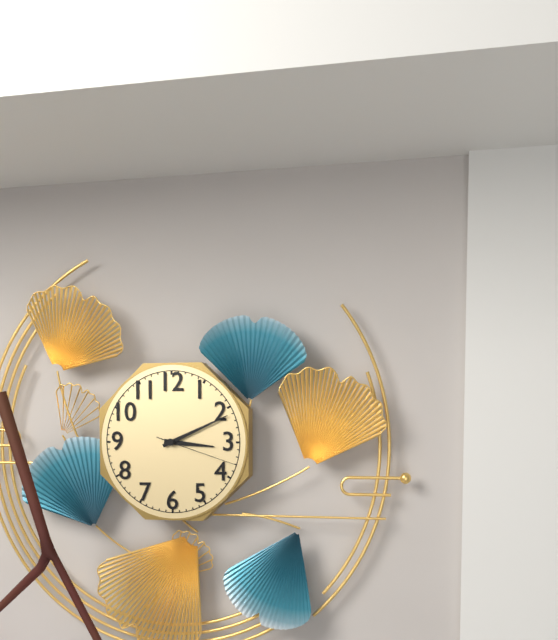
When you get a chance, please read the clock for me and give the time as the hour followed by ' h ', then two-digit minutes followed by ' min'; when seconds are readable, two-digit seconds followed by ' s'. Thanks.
3 h 11 min 18 s
